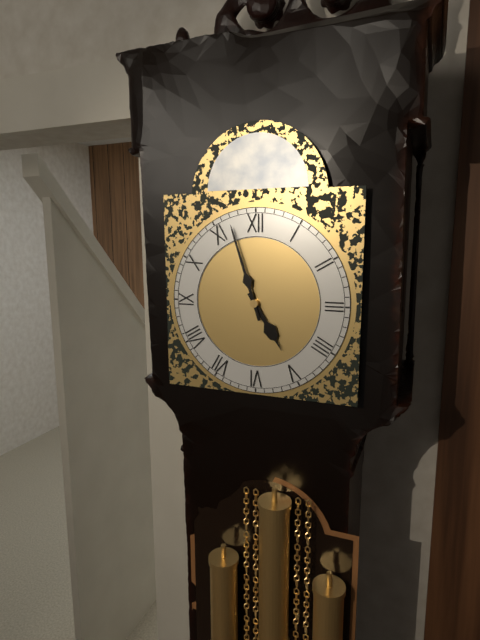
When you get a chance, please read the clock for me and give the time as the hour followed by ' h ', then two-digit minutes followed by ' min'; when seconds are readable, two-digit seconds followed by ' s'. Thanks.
4 h 57 min
